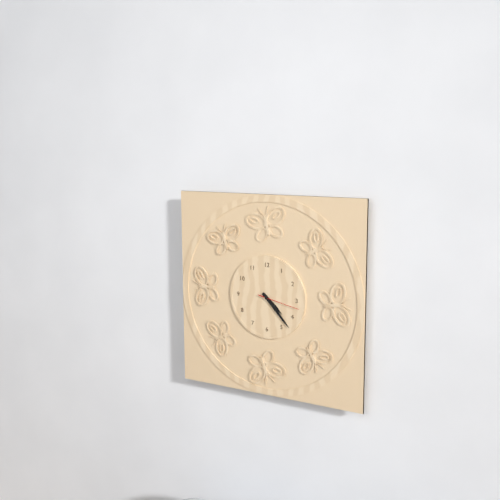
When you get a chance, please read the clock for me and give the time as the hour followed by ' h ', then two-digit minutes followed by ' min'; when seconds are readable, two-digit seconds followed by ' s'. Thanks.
4 h 23 min
